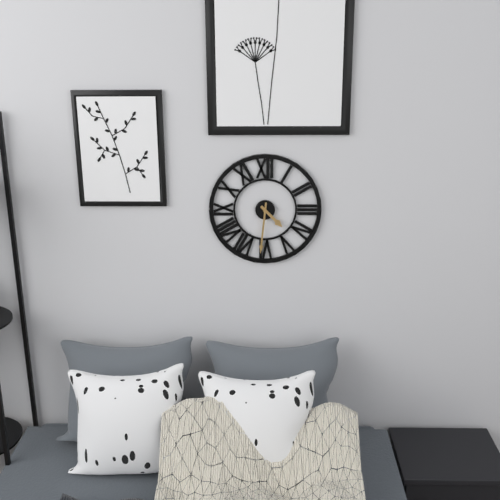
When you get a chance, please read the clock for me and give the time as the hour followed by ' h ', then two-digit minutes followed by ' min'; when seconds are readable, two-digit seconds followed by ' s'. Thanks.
4 h 31 min
